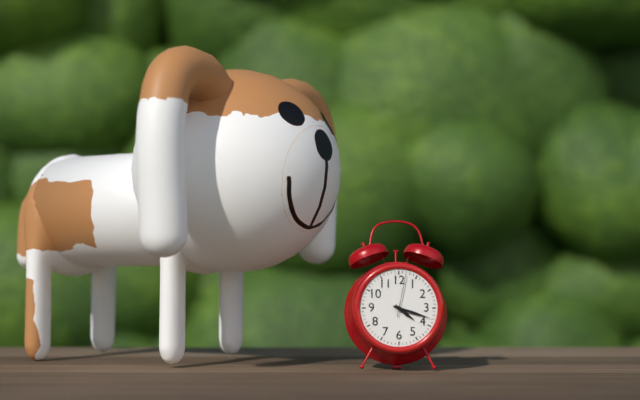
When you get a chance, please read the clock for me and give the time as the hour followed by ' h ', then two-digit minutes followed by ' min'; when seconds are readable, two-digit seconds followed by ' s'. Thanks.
4 h 18 min
